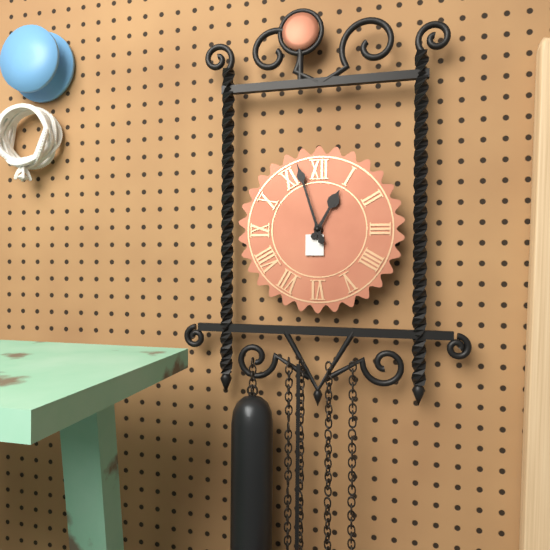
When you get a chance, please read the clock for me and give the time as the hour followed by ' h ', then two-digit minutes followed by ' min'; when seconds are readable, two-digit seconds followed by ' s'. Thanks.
12 h 57 min
